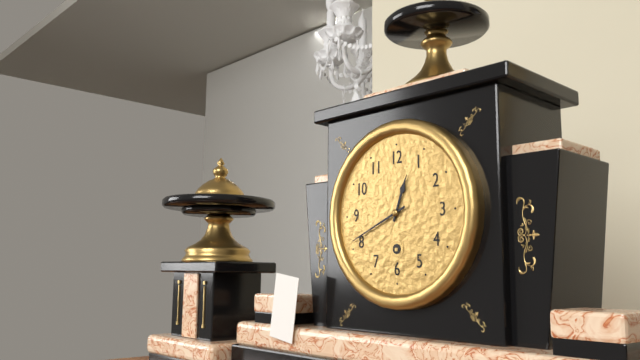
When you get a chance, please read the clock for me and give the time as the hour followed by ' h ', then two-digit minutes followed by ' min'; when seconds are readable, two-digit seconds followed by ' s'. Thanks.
12 h 41 min
